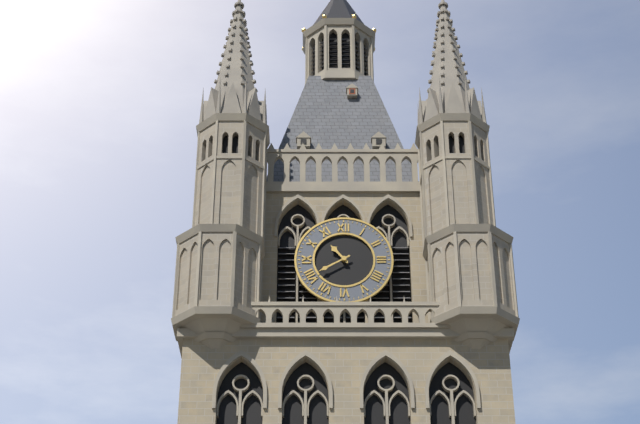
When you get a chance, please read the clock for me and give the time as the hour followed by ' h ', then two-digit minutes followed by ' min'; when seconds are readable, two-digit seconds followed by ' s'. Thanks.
10 h 40 min
